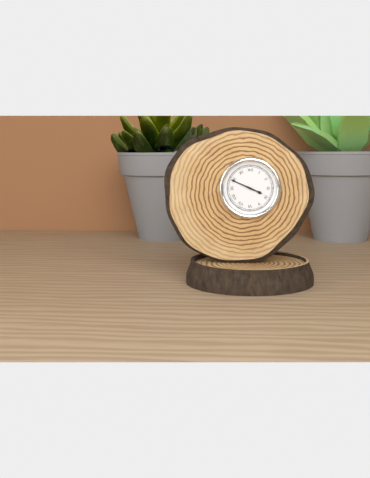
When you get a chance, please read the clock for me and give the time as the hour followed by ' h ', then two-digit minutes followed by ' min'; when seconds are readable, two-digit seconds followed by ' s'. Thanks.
3 h 49 min
